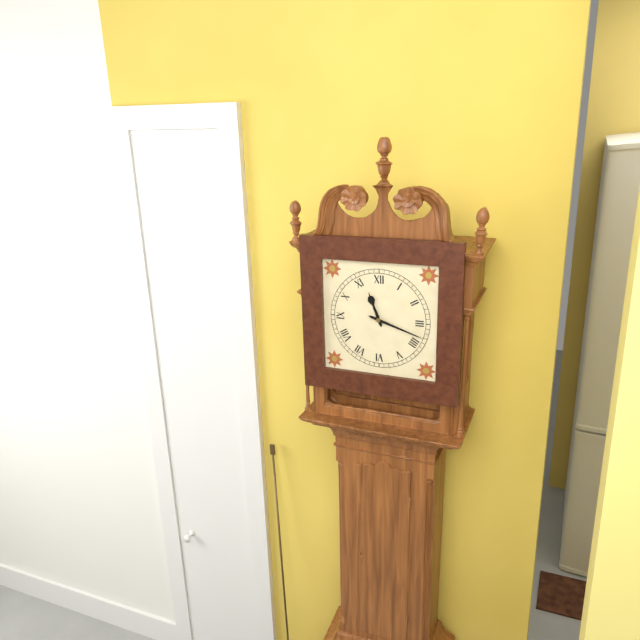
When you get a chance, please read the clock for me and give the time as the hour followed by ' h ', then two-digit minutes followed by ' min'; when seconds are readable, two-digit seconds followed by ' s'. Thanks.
11 h 18 min
